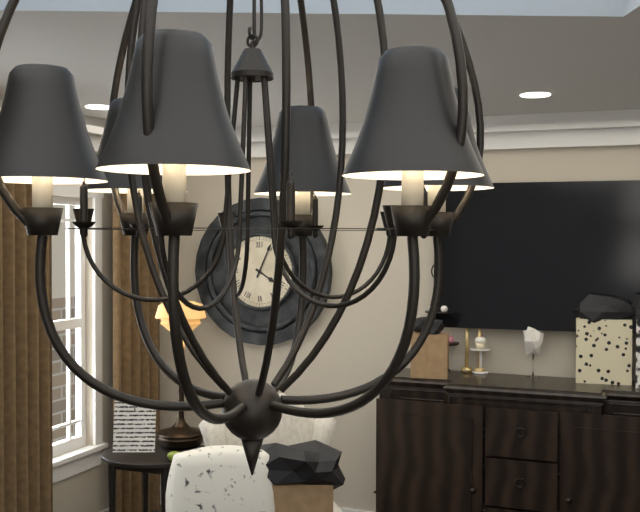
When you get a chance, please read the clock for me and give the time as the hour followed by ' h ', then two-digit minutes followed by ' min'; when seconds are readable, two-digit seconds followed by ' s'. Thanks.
4 h 04 min
